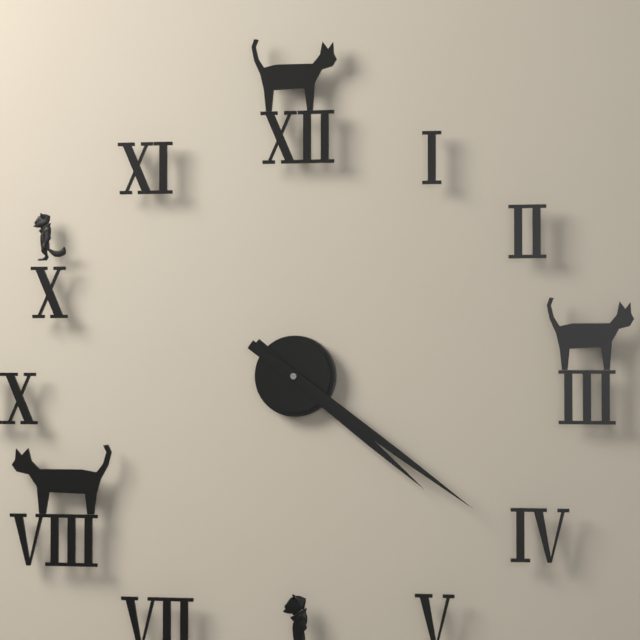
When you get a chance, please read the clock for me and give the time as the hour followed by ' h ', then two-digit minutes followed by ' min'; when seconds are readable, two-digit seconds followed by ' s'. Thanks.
4 h 21 min
